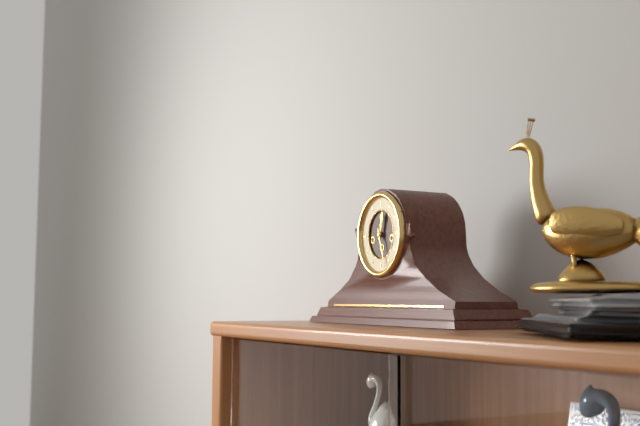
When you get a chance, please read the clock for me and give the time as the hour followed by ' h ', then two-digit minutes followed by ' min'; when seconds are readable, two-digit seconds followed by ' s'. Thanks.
12 h 27 min
